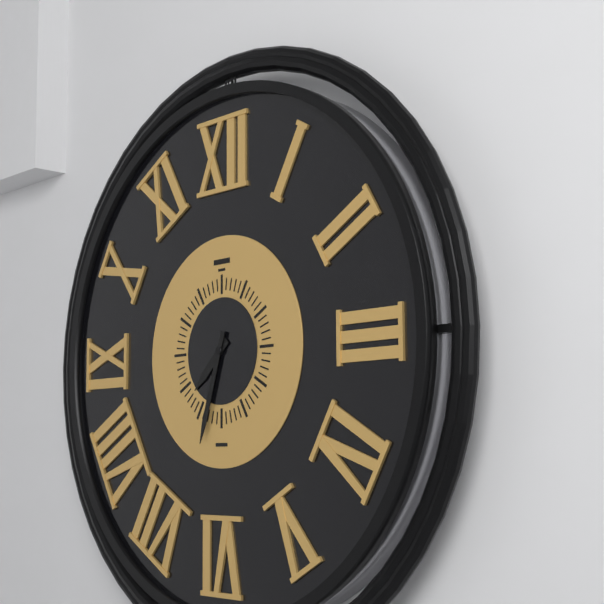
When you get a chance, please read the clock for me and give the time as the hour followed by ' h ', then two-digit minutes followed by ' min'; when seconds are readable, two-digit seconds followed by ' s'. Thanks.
7 h 33 min
